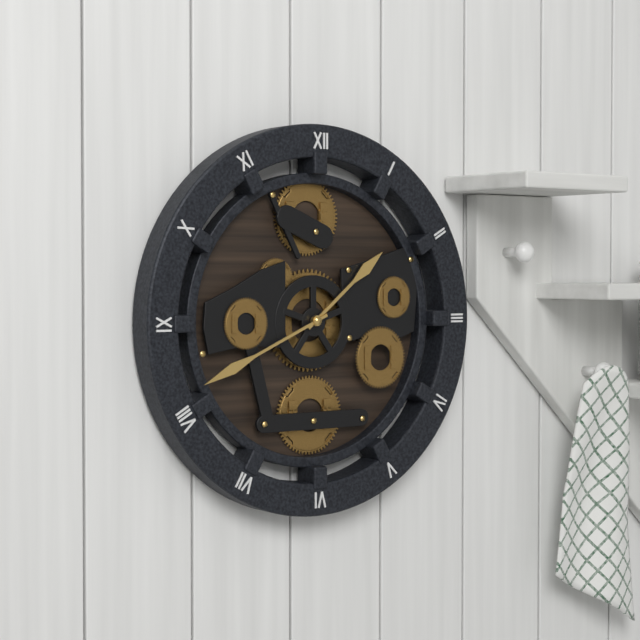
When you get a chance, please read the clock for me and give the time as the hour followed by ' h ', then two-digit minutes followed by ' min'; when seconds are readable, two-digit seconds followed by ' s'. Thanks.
1 h 41 min
